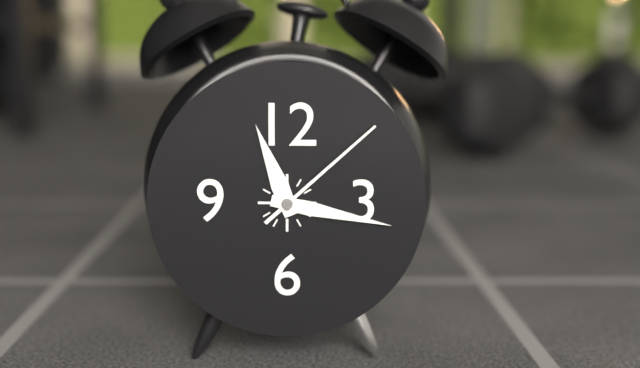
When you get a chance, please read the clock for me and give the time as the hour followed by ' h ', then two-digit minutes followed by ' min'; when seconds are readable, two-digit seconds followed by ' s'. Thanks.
11 h 17 min 08 s
